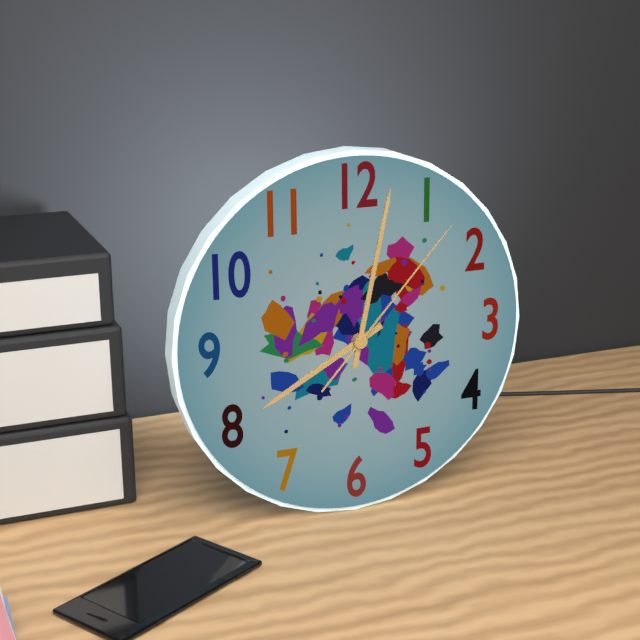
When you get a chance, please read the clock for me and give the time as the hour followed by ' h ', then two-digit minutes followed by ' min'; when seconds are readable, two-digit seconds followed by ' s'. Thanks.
8 h 02 min 07 s
